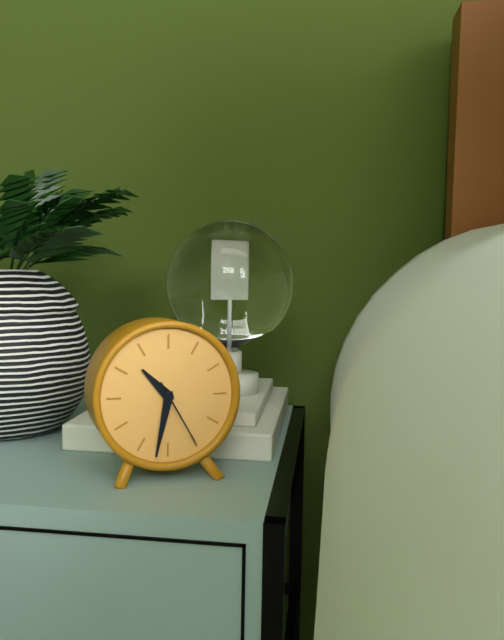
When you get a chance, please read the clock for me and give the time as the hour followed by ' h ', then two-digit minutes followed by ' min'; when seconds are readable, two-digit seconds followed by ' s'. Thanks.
10 h 32 min 25 s
